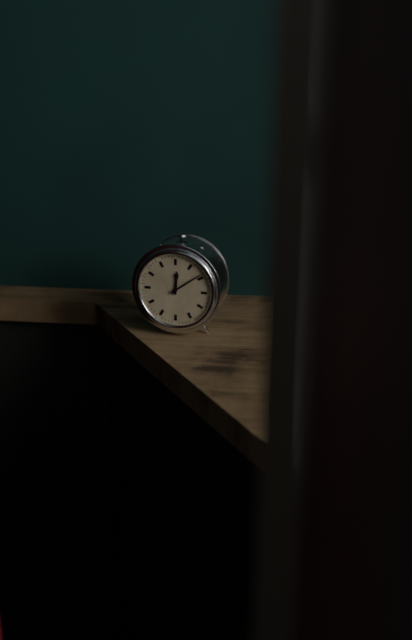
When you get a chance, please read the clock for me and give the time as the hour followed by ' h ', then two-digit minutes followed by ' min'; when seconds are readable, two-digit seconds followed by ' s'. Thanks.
12 h 09 min
